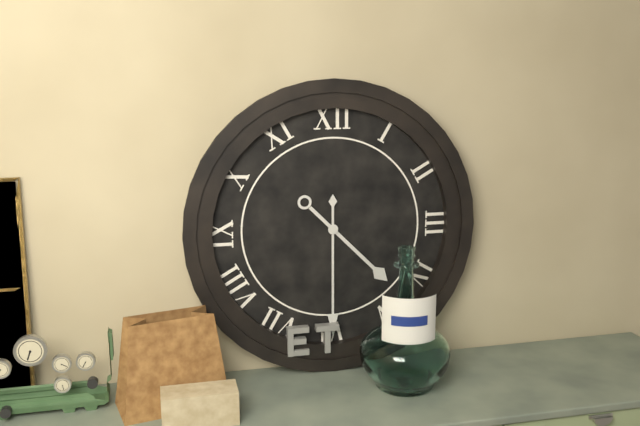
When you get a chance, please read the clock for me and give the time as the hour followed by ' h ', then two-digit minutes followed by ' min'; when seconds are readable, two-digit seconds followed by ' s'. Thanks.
4 h 30 min
